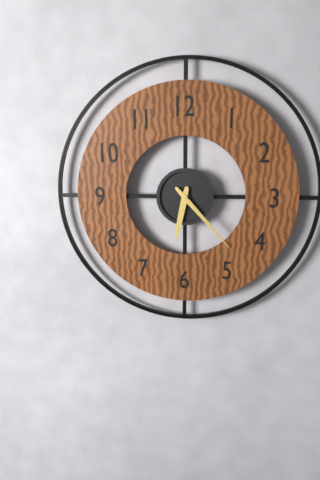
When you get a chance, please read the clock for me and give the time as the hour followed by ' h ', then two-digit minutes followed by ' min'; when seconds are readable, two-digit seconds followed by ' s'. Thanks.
6 h 23 min
